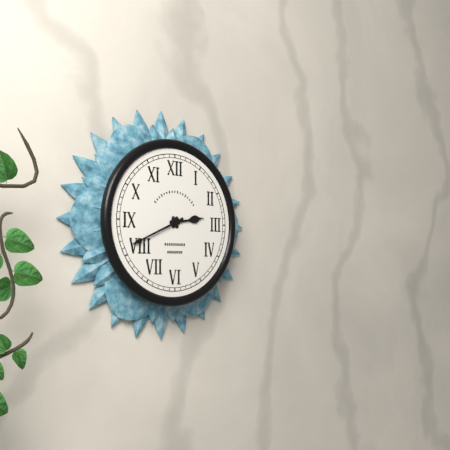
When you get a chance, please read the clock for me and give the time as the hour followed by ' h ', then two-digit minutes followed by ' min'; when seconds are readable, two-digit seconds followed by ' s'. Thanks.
2 h 41 min
